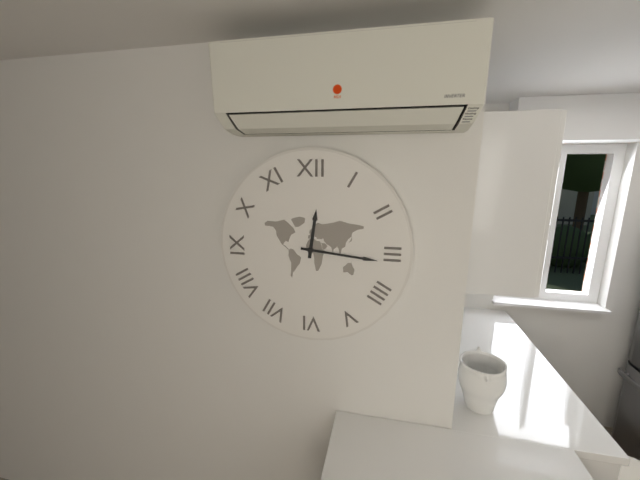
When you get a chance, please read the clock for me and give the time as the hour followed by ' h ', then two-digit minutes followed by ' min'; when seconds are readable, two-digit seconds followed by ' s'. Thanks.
12 h 16 min
